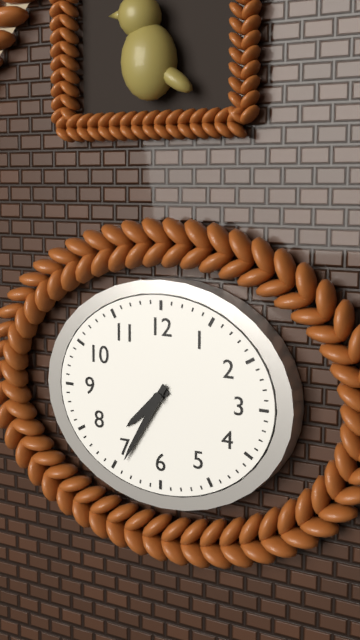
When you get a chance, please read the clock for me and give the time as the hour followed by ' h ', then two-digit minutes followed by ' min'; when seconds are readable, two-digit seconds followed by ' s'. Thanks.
7 h 35 min
